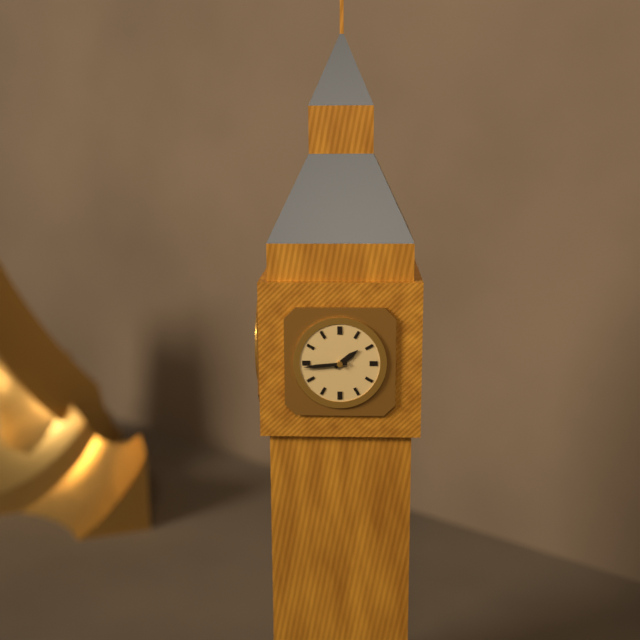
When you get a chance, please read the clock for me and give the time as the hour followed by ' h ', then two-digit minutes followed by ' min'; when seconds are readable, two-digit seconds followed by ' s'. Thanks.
1 h 44 min
